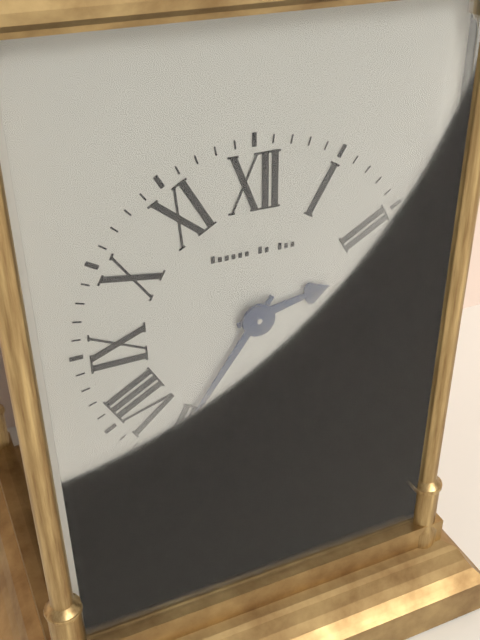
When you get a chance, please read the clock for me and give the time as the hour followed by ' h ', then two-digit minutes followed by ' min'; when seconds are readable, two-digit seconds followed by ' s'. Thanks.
2 h 36 min
